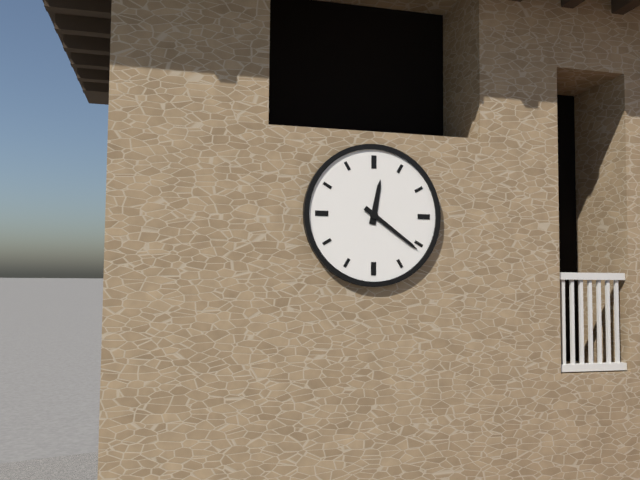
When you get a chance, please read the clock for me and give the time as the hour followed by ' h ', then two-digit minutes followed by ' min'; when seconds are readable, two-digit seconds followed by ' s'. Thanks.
12 h 21 min
